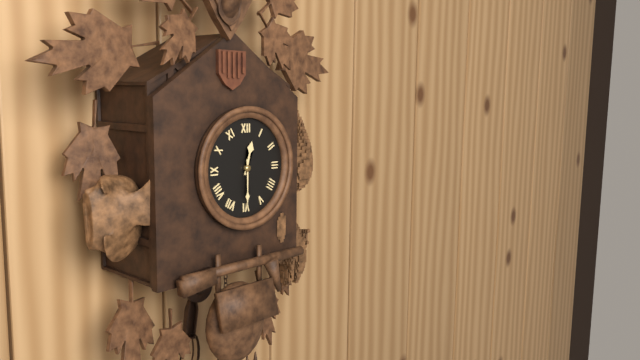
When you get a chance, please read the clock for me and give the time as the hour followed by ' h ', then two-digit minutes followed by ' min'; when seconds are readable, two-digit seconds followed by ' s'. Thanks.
12 h 30 min
